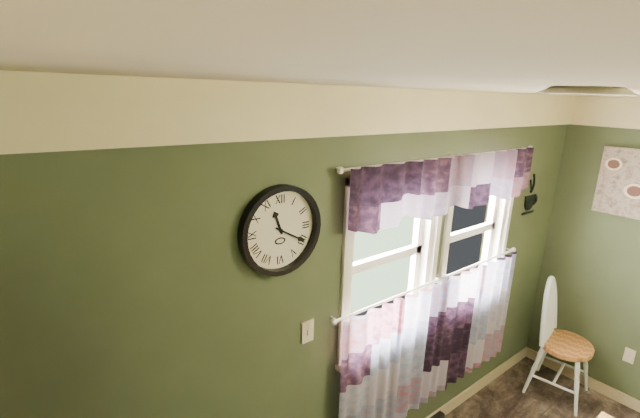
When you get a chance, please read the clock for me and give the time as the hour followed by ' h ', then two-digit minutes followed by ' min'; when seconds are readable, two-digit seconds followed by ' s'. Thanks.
11 h 20 min
